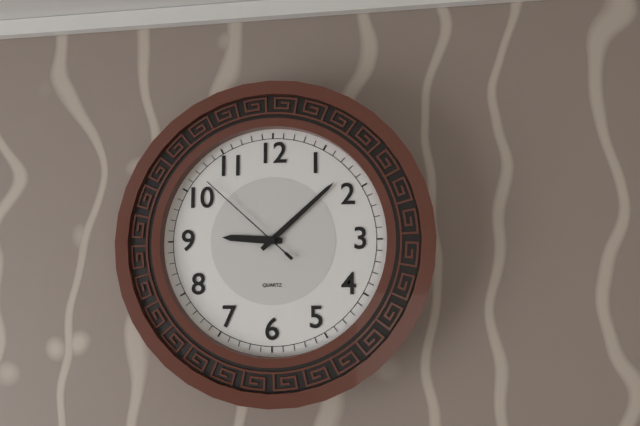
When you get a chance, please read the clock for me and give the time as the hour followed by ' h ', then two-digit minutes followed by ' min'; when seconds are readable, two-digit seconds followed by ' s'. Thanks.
9 h 08 min 52 s
